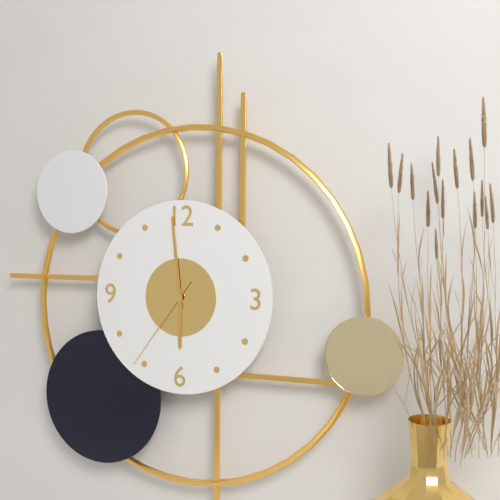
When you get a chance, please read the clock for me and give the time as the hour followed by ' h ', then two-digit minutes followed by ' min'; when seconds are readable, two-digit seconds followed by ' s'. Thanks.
5 h 59 min 36 s
